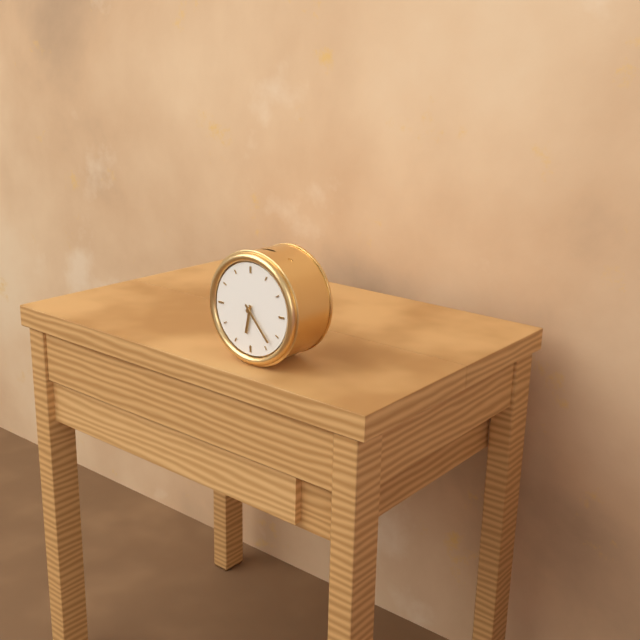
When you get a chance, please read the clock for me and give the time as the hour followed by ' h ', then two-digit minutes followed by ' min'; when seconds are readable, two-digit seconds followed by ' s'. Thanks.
6 h 23 min
